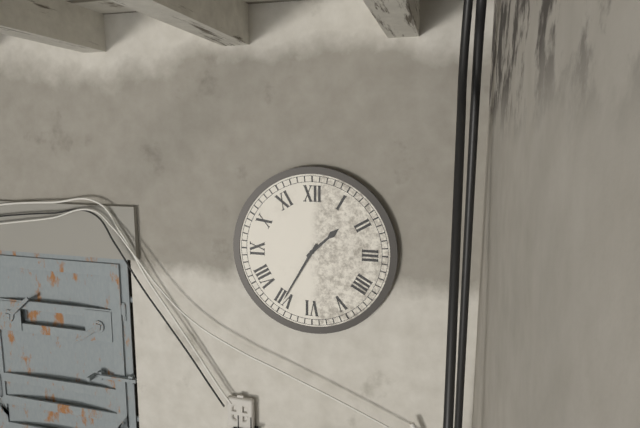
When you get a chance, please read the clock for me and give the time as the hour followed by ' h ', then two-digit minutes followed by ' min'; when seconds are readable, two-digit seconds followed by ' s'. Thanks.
1 h 35 min
